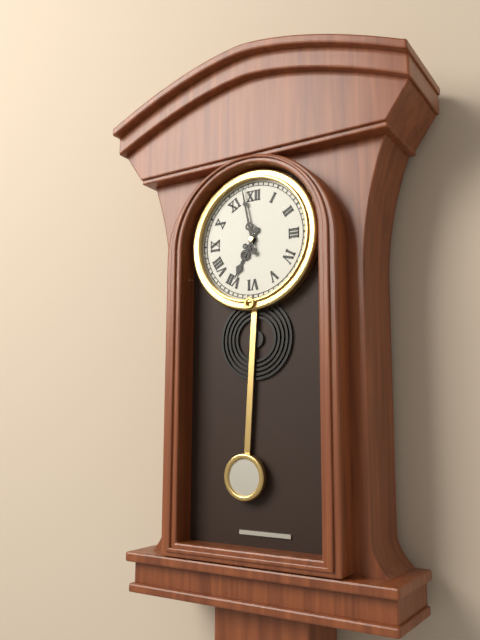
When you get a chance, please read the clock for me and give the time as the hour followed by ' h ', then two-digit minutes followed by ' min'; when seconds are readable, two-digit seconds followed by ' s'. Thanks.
6 h 58 min
